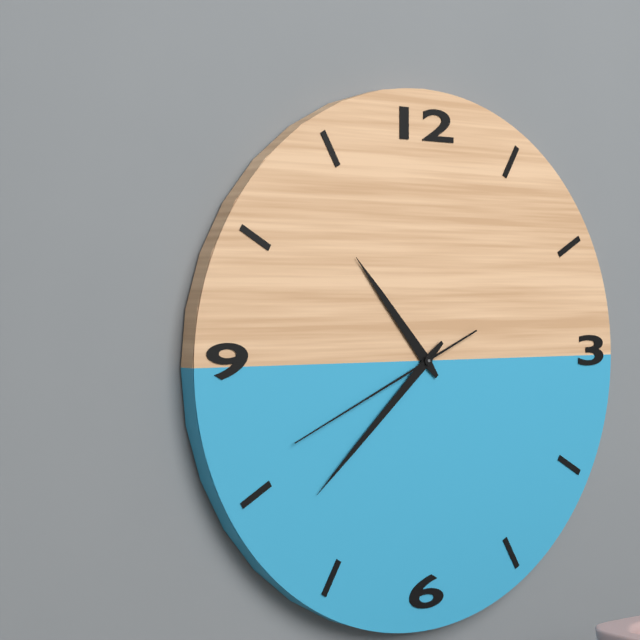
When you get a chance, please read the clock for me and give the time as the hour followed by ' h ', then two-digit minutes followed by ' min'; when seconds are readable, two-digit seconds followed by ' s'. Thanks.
10 h 38 min 41 s
